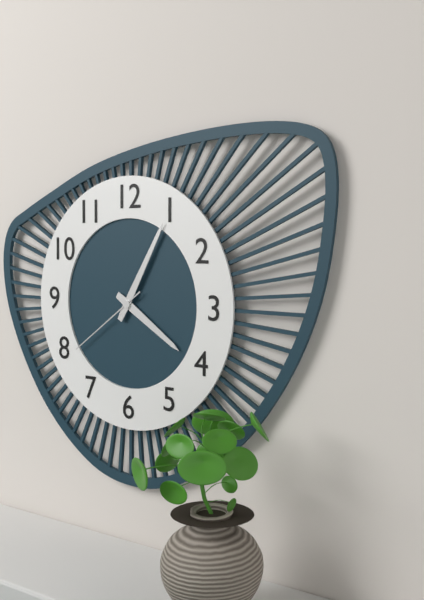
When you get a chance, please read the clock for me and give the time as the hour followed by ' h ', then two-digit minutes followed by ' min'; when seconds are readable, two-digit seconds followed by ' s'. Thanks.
4 h 05 min 39 s
